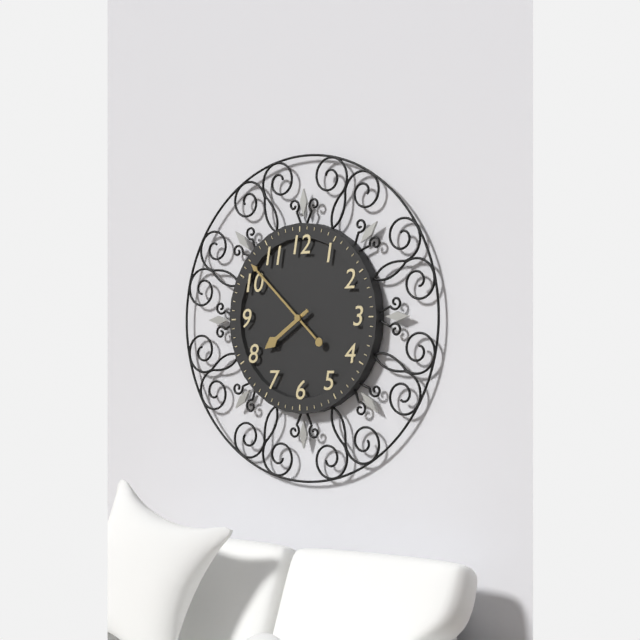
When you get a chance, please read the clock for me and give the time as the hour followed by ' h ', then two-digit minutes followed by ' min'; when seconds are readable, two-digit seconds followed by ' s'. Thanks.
7 h 52 min
